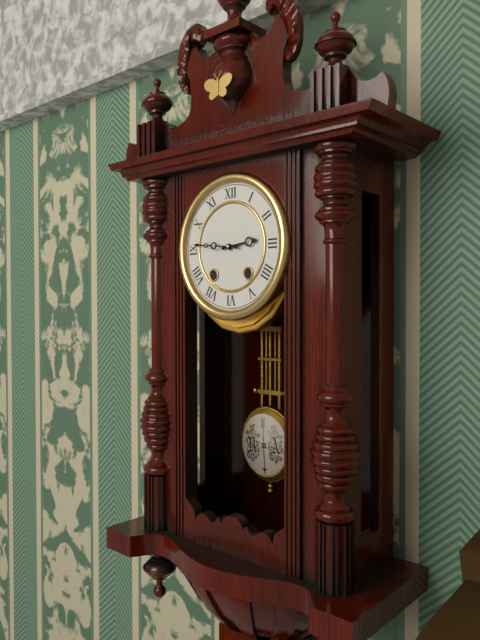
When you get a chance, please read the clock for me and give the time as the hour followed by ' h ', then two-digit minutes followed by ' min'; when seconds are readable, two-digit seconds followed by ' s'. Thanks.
2 h 46 min
